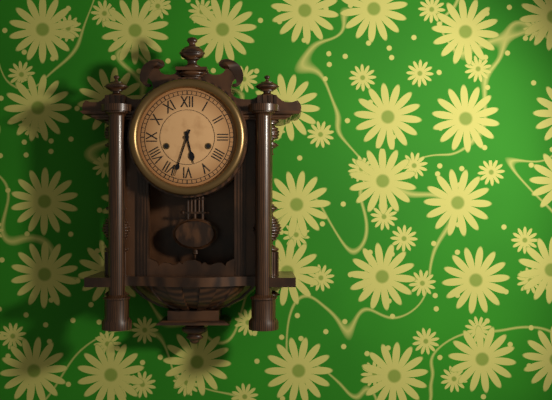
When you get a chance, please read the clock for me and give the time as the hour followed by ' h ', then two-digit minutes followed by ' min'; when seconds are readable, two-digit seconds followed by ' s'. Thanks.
5 h 33 min
